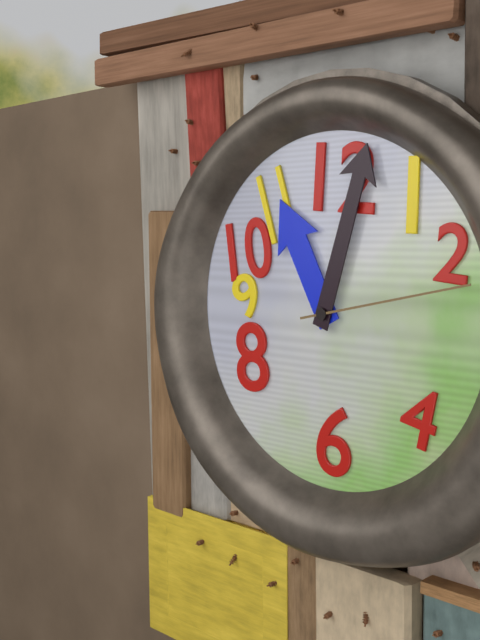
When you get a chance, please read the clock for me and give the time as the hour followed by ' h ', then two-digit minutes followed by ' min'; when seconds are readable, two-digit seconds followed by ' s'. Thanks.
11 h 03 min 13 s
